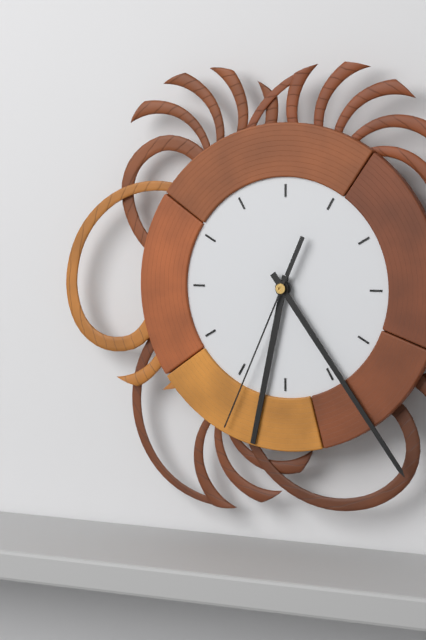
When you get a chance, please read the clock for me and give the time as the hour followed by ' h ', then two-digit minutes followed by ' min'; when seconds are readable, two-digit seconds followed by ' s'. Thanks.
6 h 24 min 34 s
